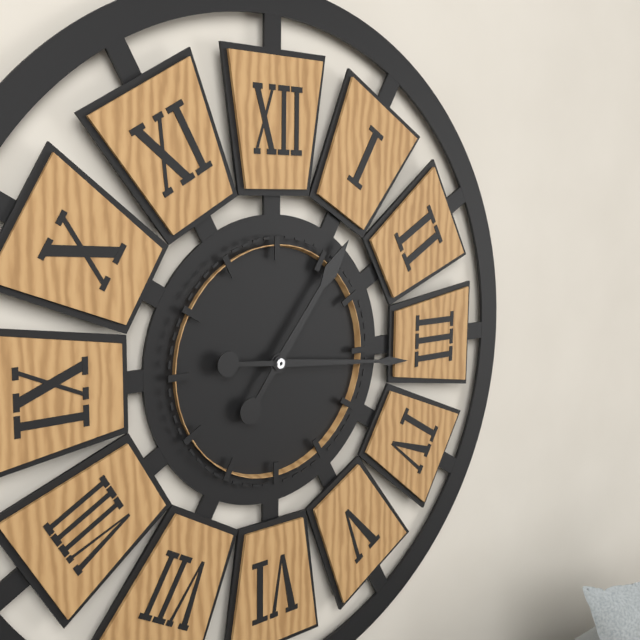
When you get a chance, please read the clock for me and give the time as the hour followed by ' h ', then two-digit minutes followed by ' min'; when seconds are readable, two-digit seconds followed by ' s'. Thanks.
1 h 16 min
